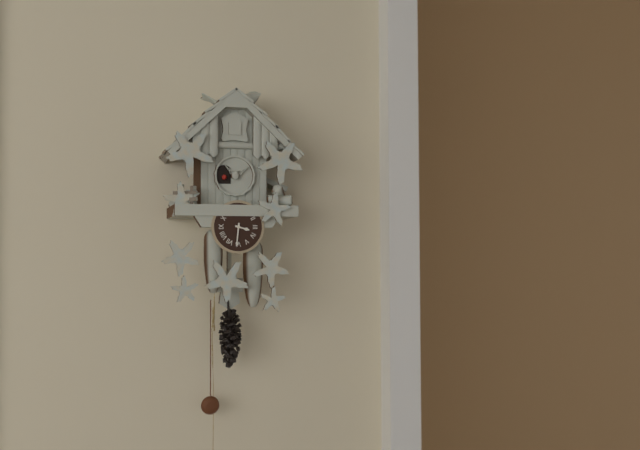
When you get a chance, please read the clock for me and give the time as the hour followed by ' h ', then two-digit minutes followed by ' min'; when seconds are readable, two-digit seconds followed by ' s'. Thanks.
3 h 31 min
